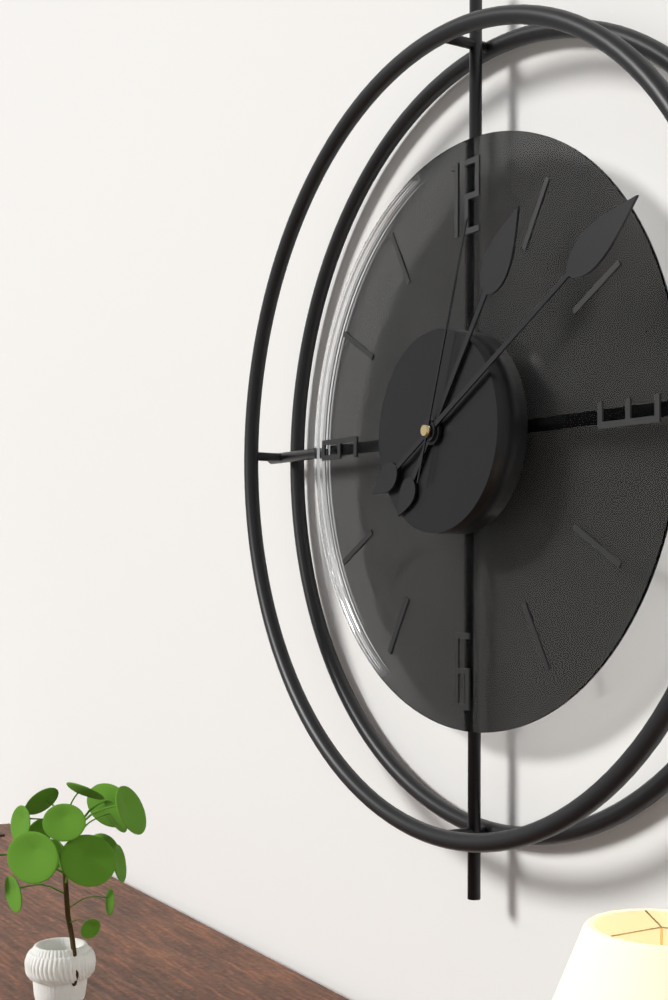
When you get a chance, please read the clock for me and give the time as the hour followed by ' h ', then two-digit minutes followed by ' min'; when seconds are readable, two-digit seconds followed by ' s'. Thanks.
1 h 10 min 03 s
